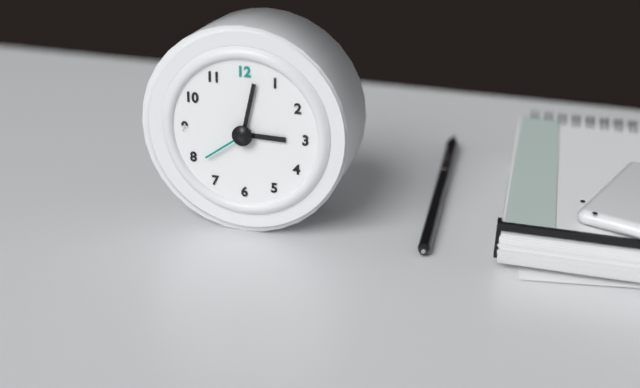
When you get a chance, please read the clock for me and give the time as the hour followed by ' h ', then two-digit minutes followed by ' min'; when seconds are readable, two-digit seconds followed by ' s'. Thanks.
3 h 02 min 39 s
